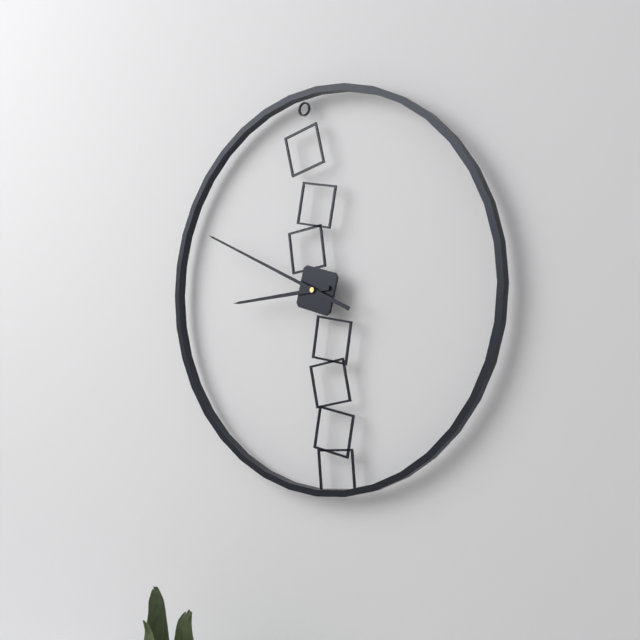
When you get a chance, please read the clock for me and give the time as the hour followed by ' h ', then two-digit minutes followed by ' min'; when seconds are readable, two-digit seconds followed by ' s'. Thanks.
8 h 49 min
